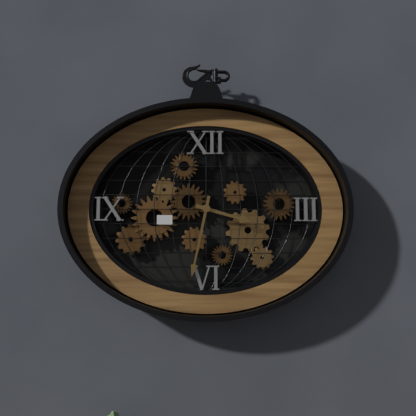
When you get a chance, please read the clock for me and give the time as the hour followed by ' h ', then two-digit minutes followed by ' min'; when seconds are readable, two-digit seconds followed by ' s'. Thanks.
3 h 32 min
